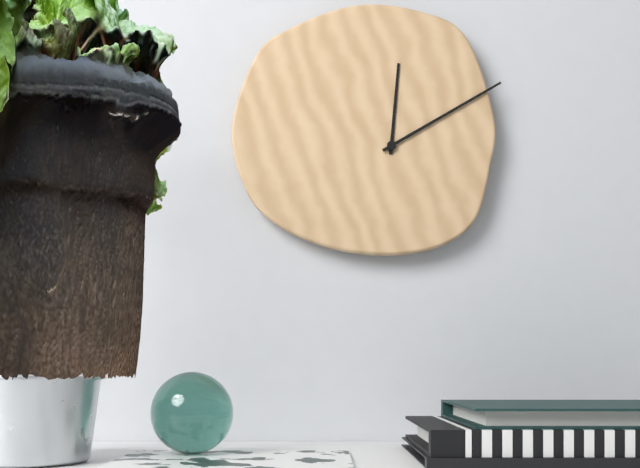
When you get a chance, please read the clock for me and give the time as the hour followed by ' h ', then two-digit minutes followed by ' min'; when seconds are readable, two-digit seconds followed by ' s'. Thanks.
12 h 10 min
